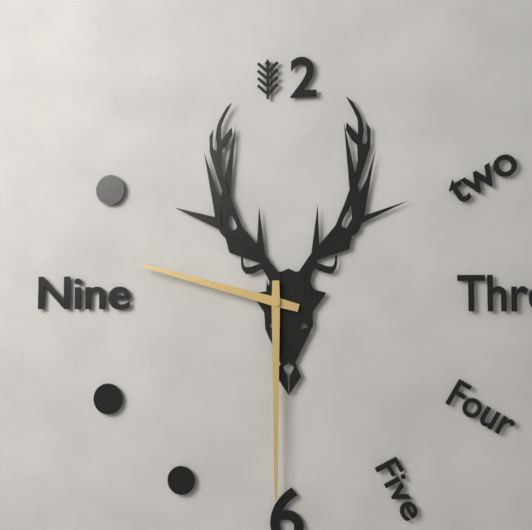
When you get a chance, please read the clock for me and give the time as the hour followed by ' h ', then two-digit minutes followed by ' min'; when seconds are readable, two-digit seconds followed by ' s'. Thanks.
9 h 30 min
